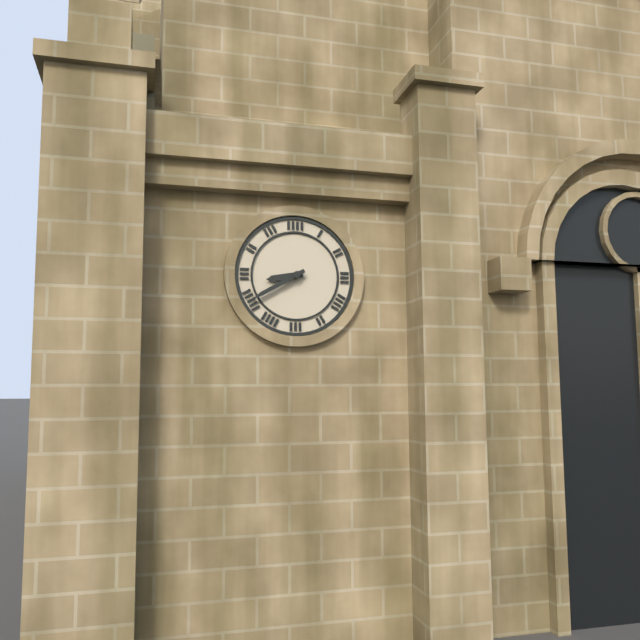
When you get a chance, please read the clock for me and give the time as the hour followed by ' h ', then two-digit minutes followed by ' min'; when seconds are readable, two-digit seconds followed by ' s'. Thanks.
8 h 40 min
